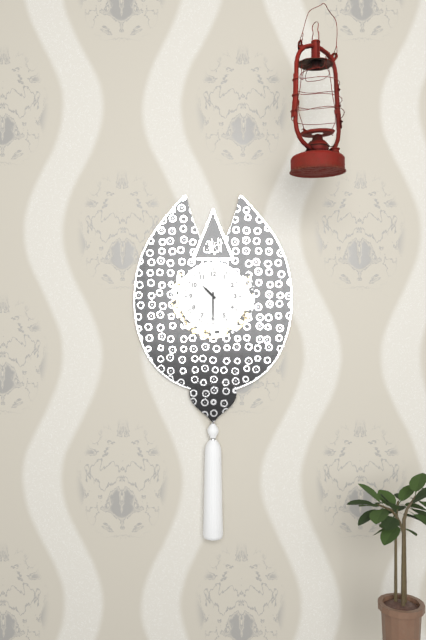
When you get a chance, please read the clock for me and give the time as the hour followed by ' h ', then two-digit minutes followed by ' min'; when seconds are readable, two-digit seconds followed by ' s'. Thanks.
10 h 30 min
